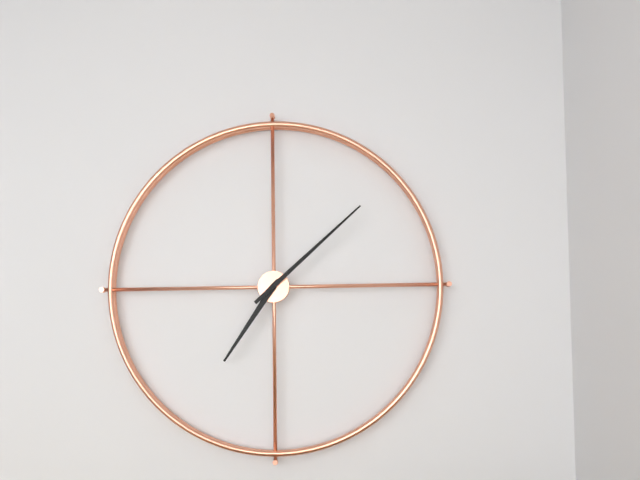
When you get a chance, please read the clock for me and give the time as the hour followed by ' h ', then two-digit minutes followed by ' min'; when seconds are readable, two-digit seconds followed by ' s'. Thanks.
7 h 08 min
